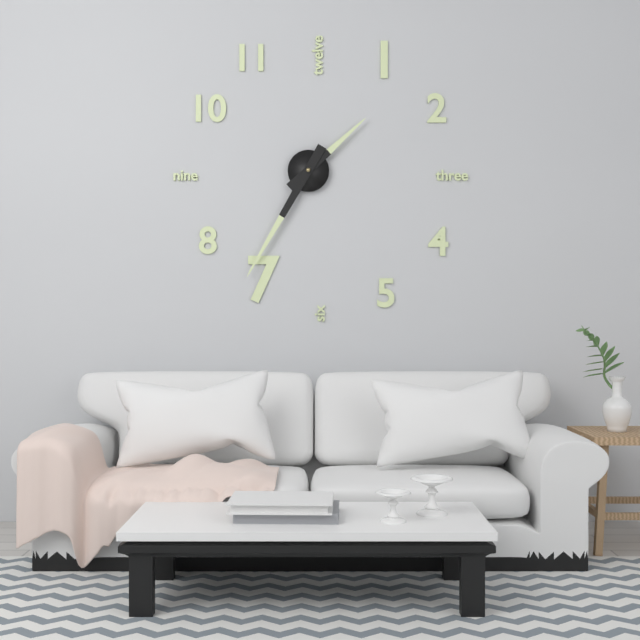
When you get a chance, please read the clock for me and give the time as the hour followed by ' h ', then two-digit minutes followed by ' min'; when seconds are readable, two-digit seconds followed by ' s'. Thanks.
1 h 35 min
